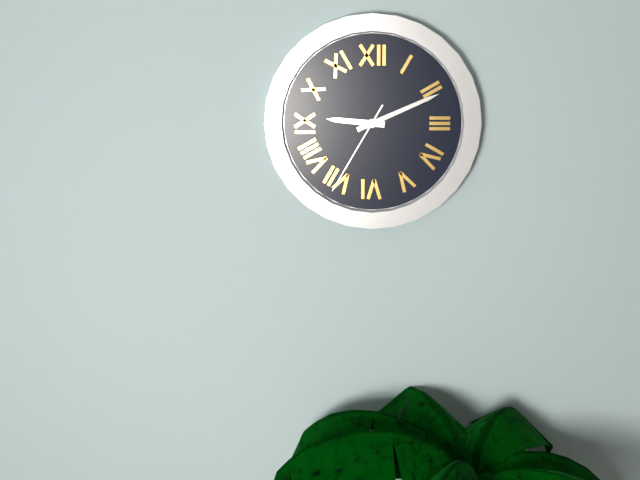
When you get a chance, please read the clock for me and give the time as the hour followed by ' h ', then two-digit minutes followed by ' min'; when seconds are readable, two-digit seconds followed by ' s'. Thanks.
9 h 11 min 35 s
